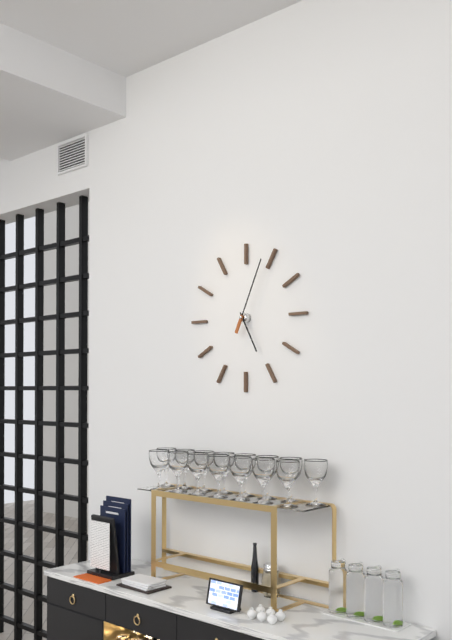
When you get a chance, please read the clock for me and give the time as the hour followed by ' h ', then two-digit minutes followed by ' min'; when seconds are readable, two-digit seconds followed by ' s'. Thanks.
5 h 04 min
